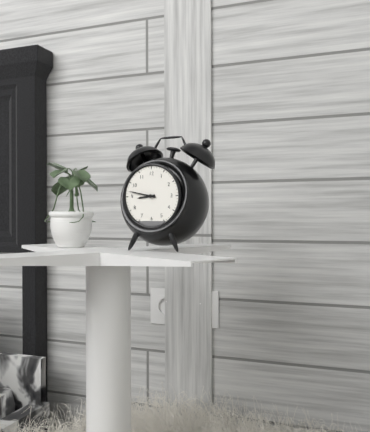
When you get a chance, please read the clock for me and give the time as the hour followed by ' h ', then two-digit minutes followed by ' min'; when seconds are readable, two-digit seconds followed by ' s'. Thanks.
8 h 47 min
